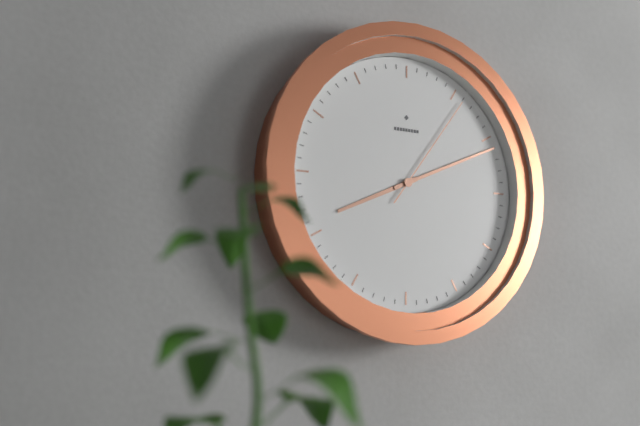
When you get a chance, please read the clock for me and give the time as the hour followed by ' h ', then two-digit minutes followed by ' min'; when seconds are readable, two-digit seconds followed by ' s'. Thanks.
8 h 11 min 06 s
